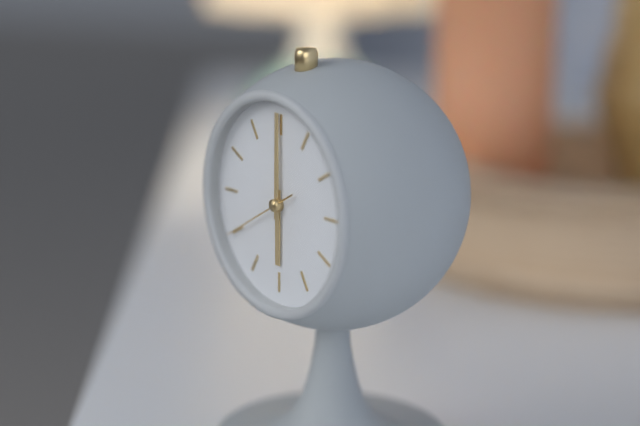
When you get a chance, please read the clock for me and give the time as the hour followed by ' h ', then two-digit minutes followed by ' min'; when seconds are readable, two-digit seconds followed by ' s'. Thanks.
6 h 00 min 40 s
